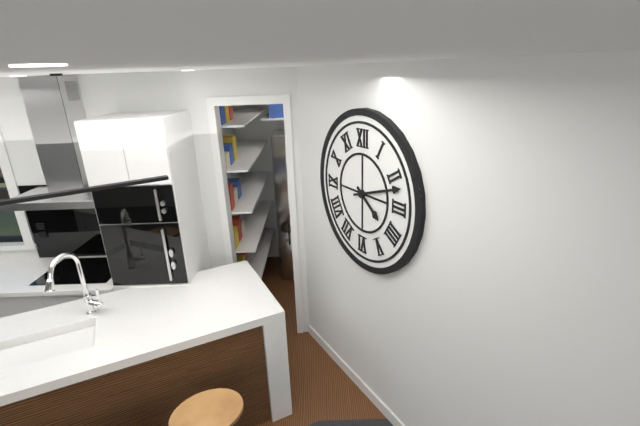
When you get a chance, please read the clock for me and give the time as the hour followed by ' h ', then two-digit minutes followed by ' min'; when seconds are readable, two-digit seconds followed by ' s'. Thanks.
4 h 12 min
